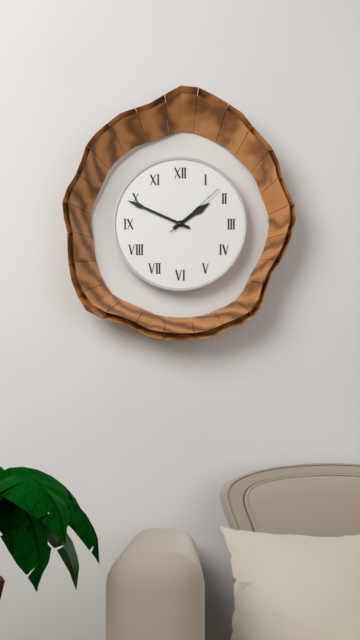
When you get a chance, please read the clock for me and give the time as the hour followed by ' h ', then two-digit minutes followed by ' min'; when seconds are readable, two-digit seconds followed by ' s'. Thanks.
1 h 49 min 08 s
